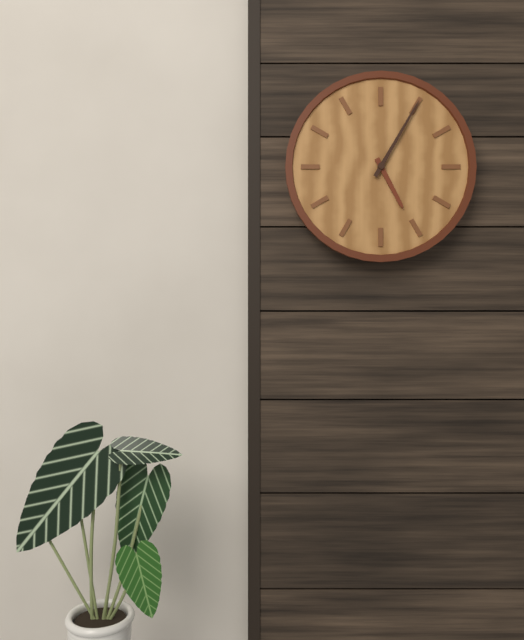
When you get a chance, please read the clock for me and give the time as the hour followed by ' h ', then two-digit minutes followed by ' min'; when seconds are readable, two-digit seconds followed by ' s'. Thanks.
5 h 05 min
